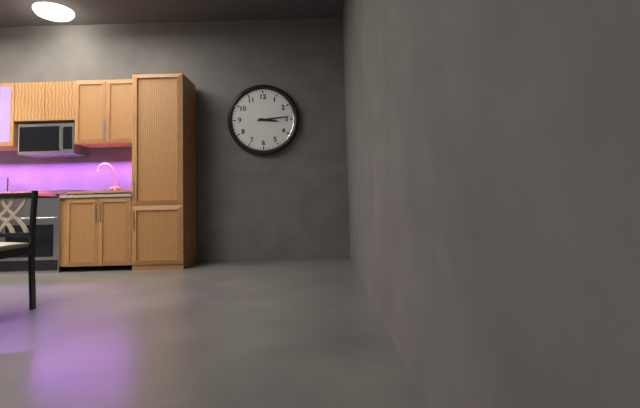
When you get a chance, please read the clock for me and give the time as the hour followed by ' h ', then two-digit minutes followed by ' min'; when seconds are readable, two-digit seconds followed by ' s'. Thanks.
3 h 14 min
